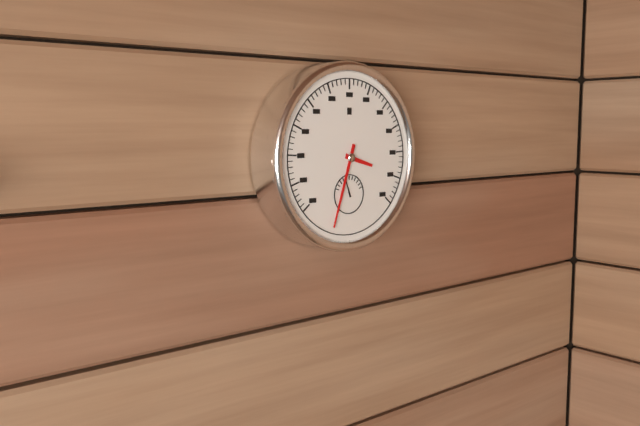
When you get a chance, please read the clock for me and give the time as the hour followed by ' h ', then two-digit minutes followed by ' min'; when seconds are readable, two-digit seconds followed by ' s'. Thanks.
3 h 33 min
